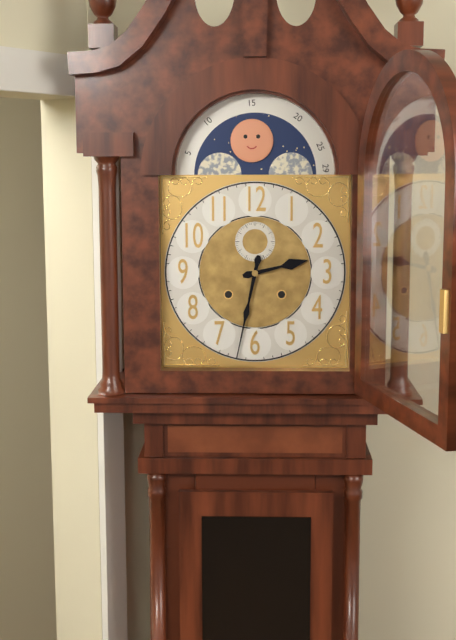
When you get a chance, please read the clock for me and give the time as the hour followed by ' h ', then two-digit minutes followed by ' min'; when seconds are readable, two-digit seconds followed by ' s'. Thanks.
2 h 32 min
